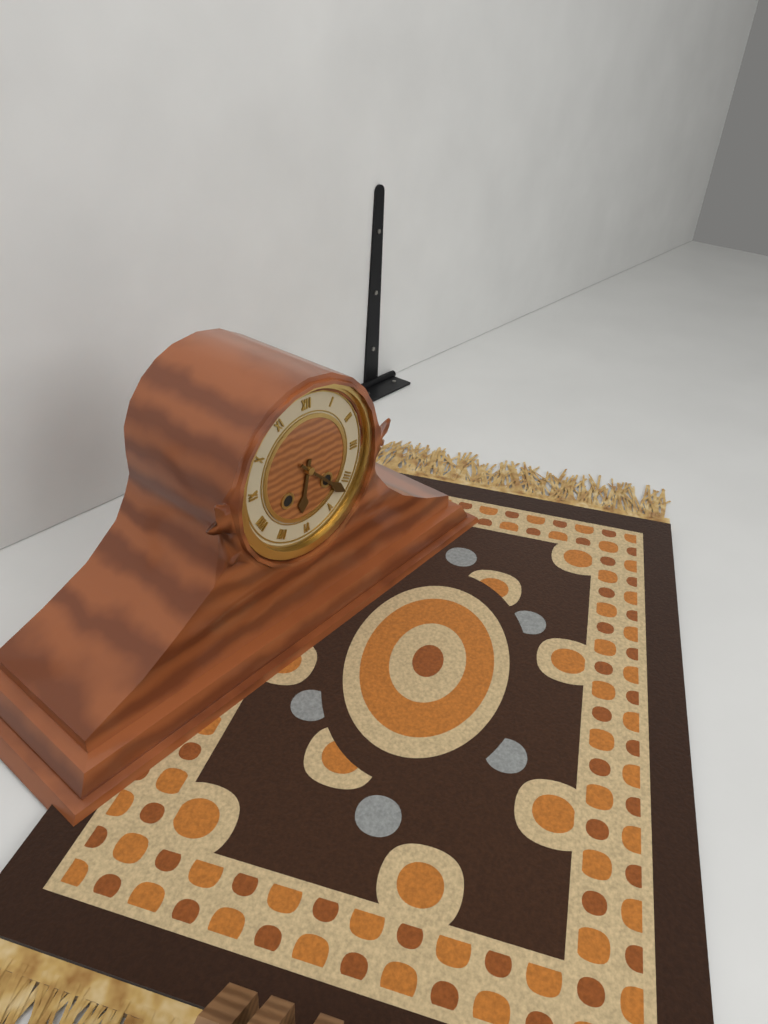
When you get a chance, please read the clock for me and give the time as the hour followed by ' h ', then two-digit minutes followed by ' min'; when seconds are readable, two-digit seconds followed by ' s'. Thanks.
6 h 22 min
